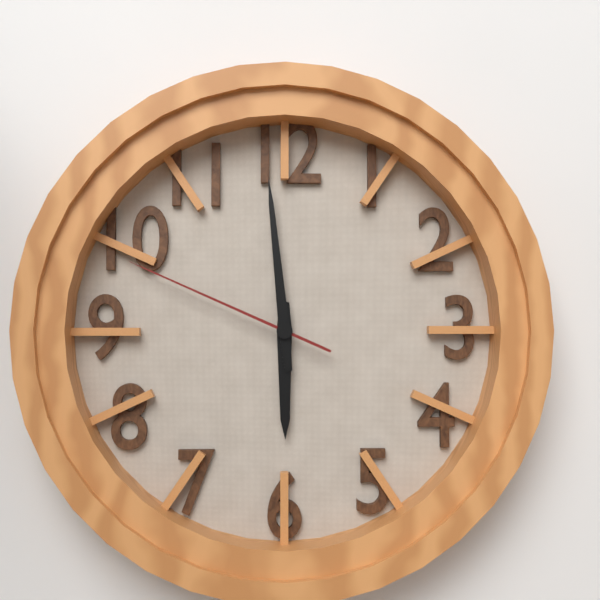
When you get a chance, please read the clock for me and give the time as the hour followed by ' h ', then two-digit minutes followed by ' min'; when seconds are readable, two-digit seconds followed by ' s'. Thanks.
5 h 59 min 49 s
